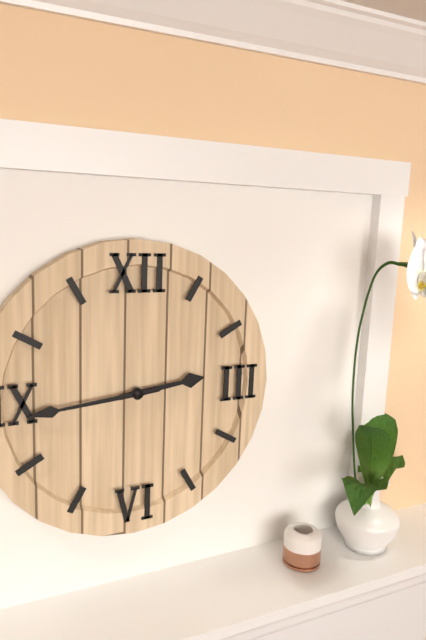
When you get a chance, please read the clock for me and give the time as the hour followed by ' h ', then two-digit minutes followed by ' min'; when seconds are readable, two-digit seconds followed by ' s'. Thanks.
2 h 44 min
